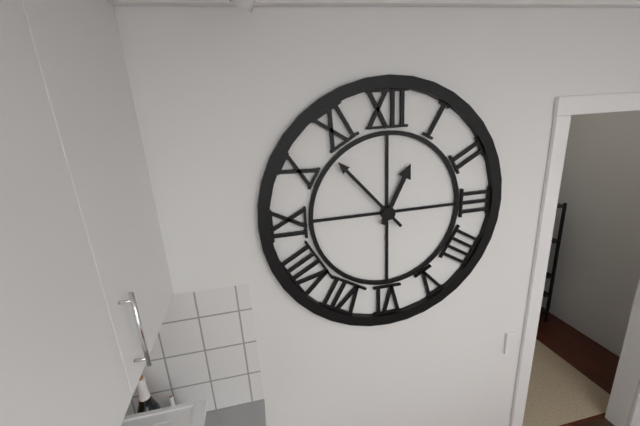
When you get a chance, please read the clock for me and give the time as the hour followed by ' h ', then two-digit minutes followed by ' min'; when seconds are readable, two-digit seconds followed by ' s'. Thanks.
12 h 53 min
